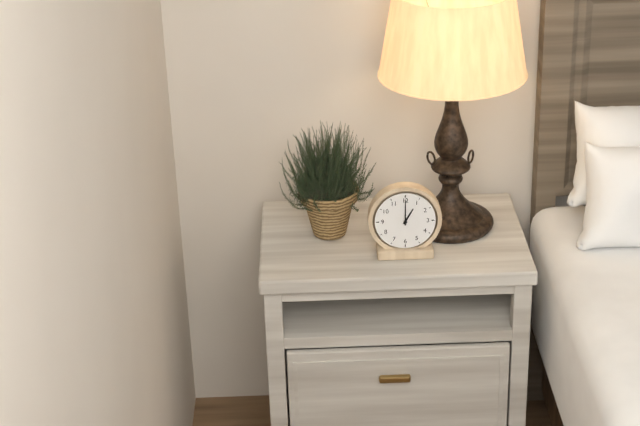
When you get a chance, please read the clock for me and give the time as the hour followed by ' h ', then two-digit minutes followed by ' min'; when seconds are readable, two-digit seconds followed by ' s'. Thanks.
1 h 00 min
